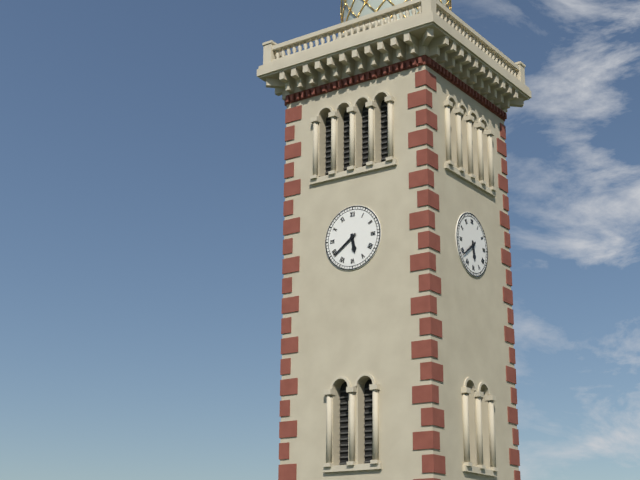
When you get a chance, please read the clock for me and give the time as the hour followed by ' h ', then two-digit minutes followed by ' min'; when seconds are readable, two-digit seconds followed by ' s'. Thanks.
5 h 39 min
